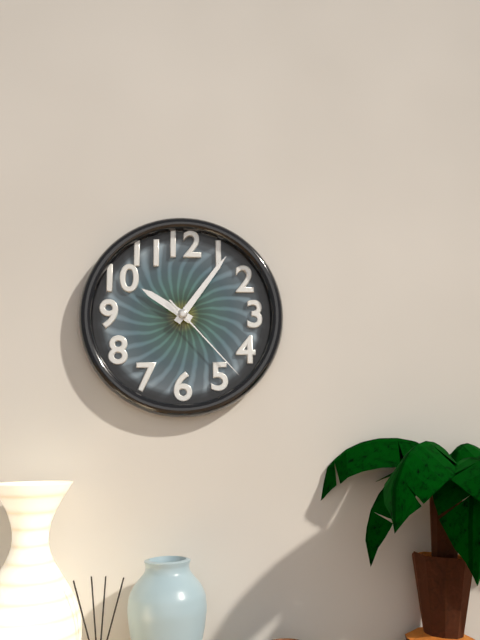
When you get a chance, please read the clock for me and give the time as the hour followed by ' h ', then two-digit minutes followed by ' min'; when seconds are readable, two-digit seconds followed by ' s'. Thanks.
10 h 06 min 23 s
